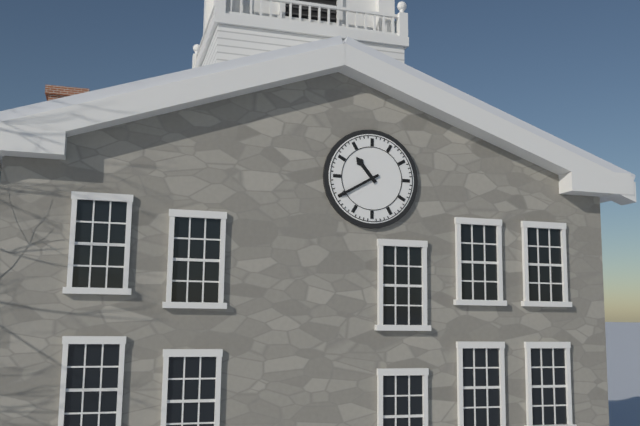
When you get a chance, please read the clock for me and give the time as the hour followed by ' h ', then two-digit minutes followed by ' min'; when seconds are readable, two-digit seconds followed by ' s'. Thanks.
10 h 40 min
